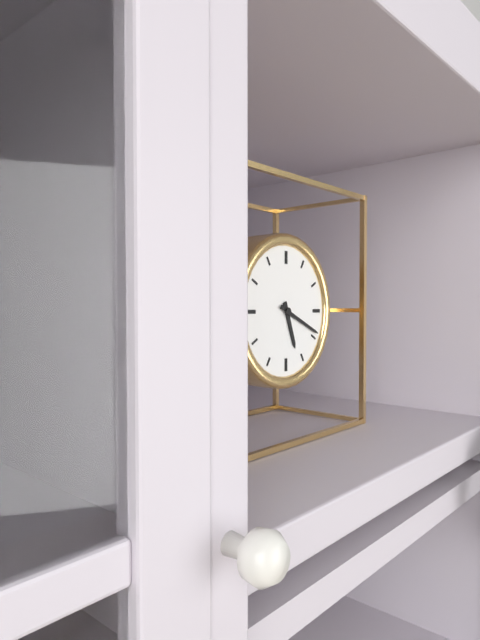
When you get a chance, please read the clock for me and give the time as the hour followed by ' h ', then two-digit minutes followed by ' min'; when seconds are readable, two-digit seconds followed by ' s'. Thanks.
5 h 19 min
